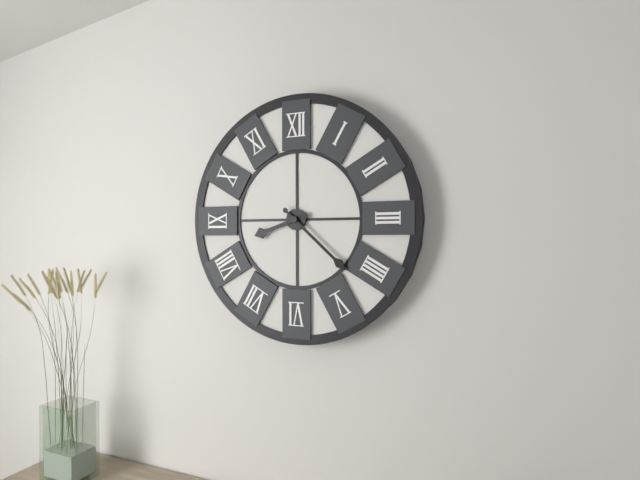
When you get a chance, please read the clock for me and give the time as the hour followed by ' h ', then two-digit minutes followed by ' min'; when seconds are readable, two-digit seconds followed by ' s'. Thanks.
8 h 22 min
